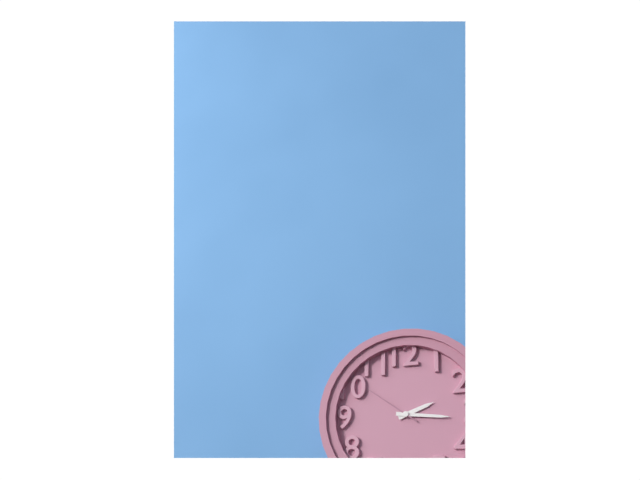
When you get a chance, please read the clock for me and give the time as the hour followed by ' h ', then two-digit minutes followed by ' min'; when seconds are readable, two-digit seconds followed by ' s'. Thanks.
2 h 16 min 51 s
